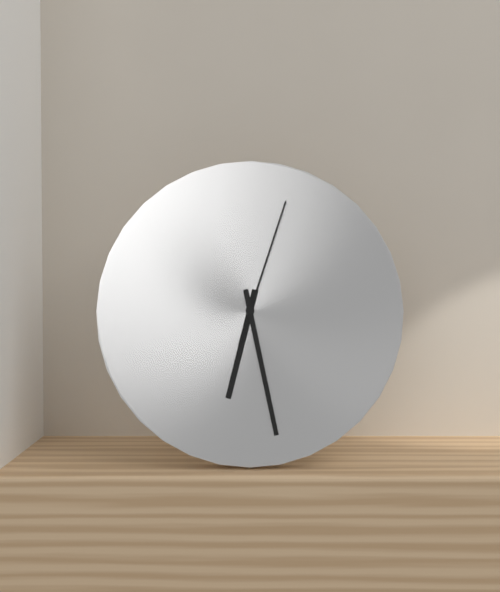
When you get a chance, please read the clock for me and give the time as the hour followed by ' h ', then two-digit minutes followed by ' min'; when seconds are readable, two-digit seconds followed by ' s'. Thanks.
6 h 28 min 03 s
